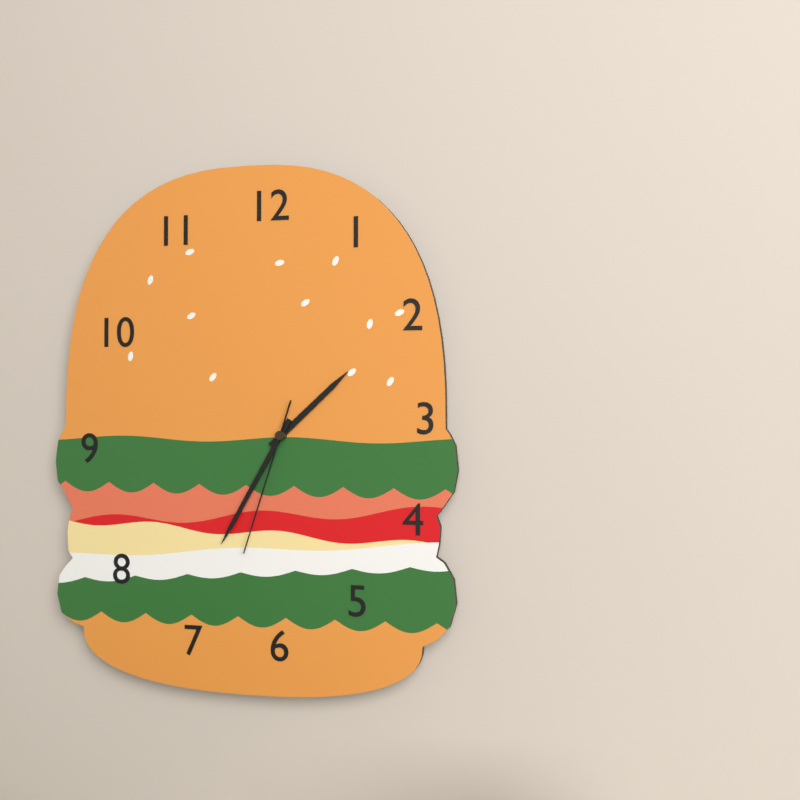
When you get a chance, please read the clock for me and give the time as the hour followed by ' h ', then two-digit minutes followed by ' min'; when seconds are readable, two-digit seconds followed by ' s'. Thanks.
1 h 35 min 33 s
